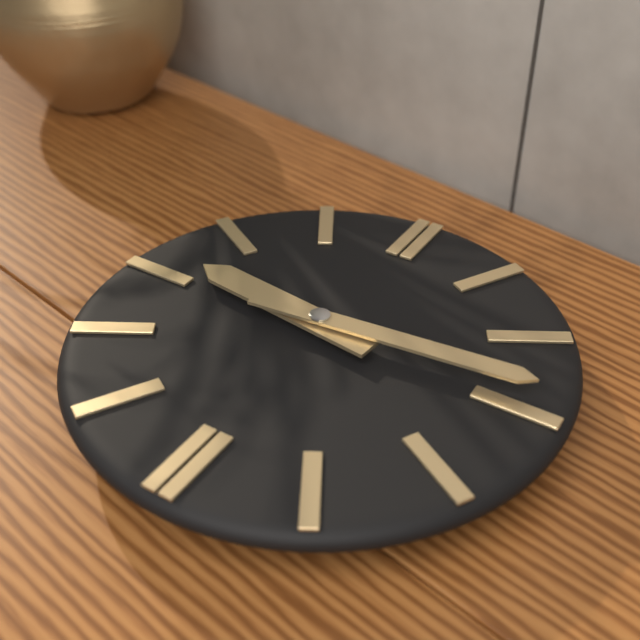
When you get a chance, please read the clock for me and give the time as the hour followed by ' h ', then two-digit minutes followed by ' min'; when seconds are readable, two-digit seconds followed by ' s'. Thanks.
9 h 14 min
